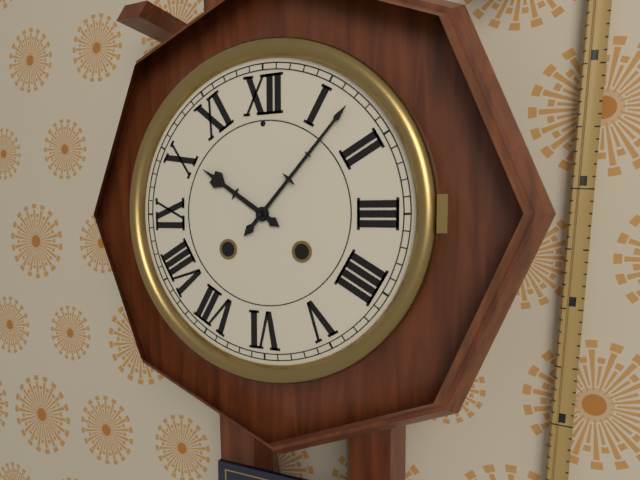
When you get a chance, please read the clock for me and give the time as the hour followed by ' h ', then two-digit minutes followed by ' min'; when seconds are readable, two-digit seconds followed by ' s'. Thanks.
10 h 07 min
